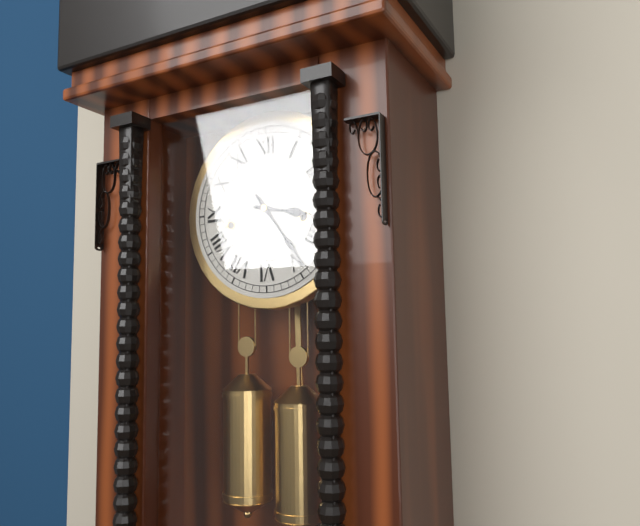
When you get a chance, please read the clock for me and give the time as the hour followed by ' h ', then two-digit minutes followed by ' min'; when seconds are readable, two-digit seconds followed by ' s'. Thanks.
3 h 24 min
